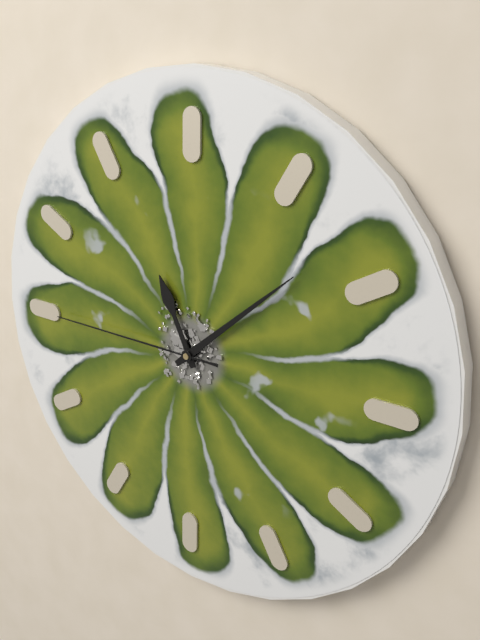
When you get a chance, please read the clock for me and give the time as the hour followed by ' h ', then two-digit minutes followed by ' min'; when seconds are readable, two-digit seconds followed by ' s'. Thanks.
11 h 08 min 45 s
